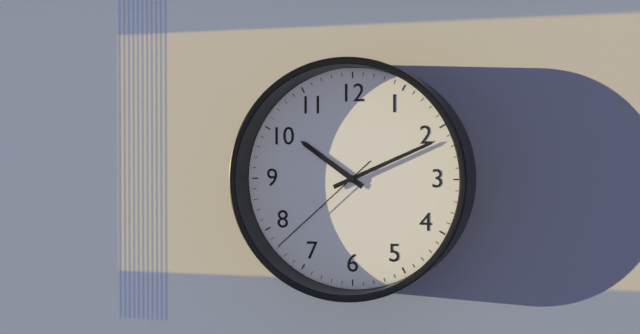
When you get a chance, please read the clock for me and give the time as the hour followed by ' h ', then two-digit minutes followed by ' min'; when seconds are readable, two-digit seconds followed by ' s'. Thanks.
10 h 11 min 38 s
